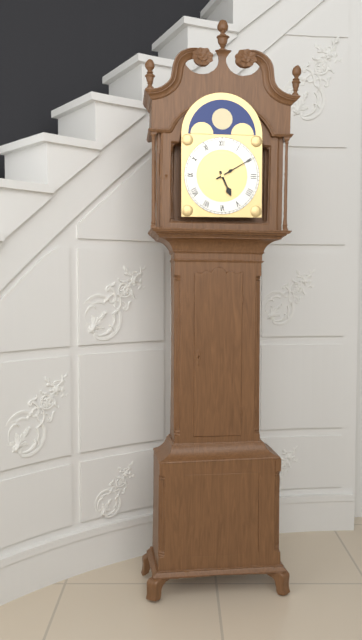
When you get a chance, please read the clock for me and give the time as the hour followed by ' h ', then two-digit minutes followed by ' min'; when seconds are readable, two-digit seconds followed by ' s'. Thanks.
5 h 10 min
